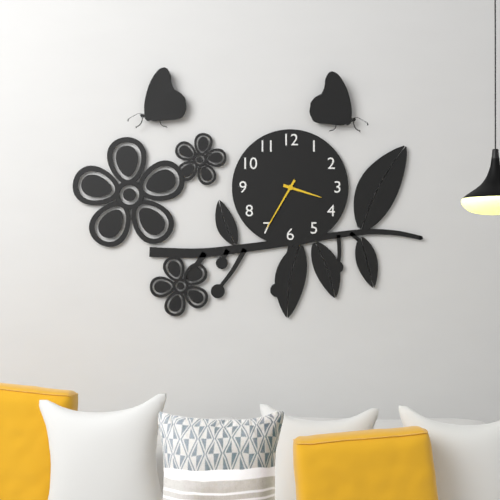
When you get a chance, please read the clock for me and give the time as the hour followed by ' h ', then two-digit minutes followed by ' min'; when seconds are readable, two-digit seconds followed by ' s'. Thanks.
3 h 35 min
